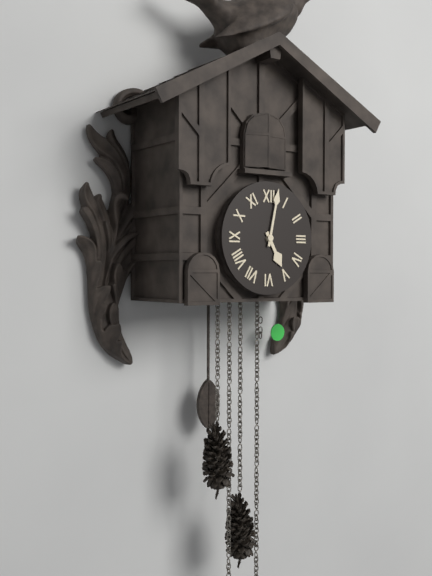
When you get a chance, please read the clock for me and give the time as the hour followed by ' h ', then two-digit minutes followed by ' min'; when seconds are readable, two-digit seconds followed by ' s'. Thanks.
5 h 02 min
